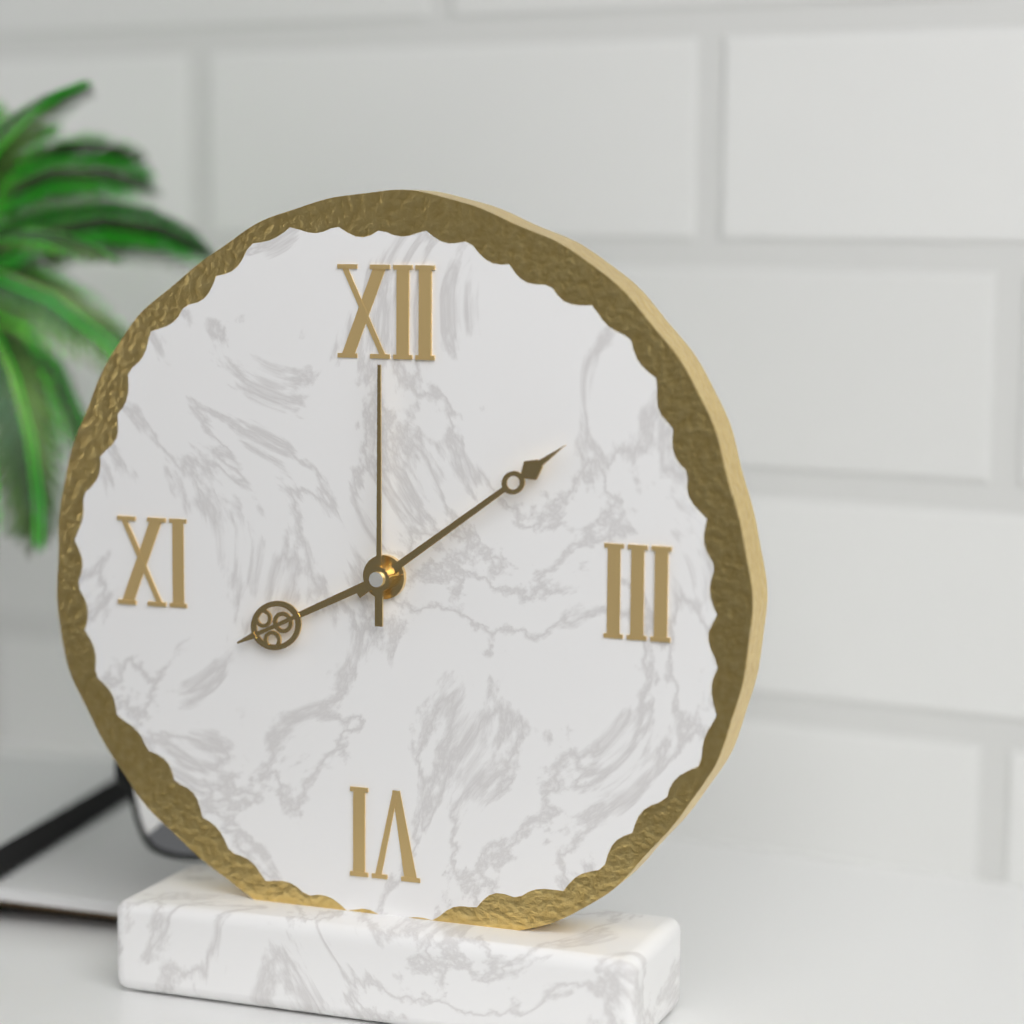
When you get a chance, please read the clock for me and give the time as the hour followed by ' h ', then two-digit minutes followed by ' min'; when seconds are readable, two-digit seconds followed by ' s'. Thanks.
8 h 09 min 00 s
